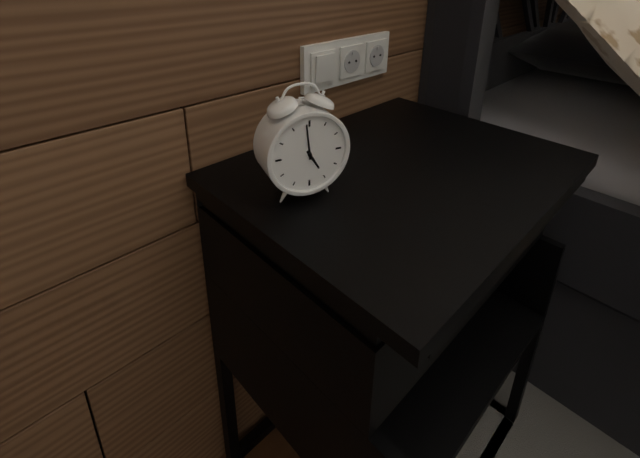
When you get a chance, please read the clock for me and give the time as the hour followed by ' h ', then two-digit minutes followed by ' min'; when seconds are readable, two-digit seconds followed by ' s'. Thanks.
4 h 59 min
